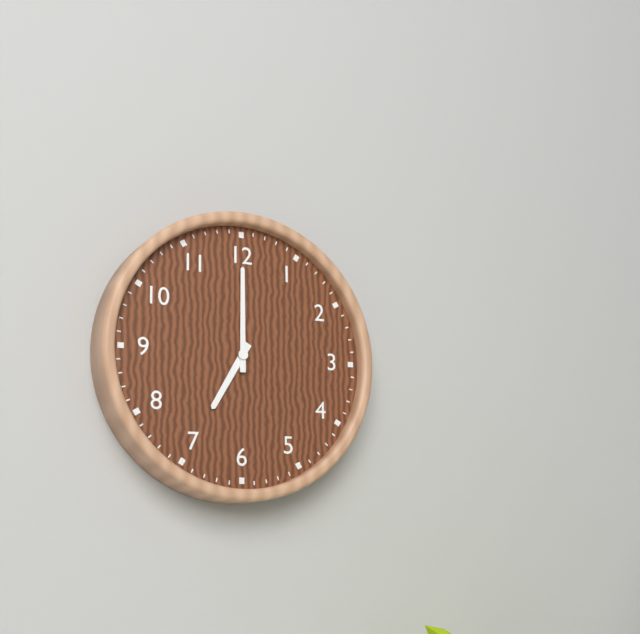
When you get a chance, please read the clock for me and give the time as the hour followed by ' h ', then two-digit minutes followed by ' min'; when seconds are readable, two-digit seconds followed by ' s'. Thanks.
7 h 00 min
